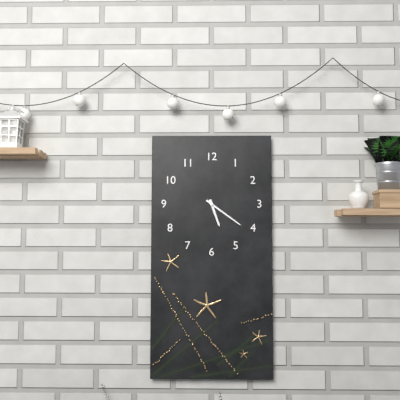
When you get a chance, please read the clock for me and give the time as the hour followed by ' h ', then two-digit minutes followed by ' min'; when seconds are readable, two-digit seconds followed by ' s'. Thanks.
5 h 21 min
